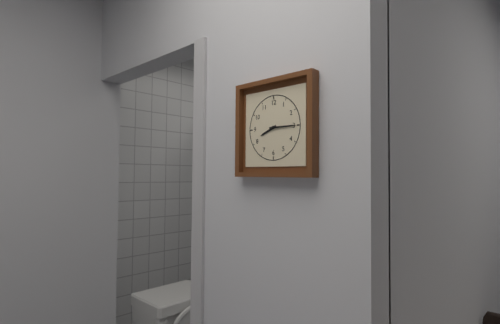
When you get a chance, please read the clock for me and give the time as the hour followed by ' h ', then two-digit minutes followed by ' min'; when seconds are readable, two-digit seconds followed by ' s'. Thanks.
8 h 15 min
